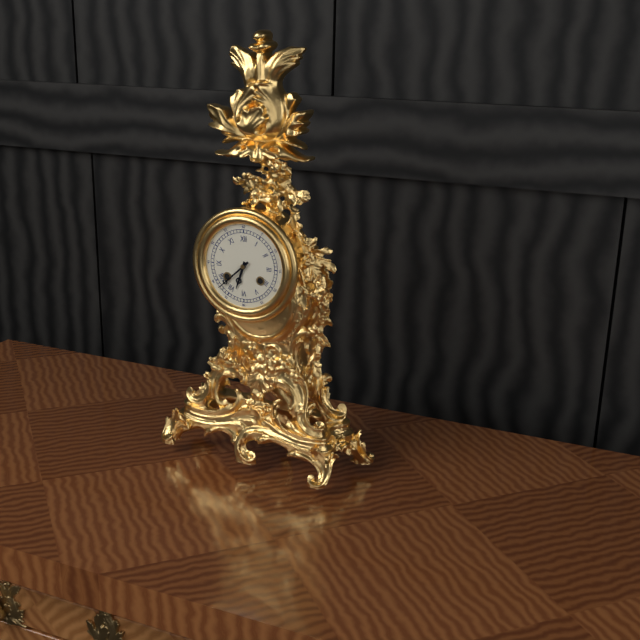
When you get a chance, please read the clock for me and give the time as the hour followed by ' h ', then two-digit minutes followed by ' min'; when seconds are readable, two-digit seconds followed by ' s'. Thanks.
6 h 38 min
